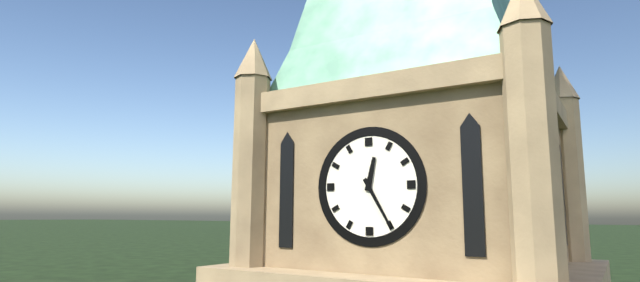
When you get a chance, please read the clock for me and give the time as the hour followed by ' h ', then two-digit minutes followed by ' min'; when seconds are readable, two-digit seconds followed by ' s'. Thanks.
12 h 25 min
